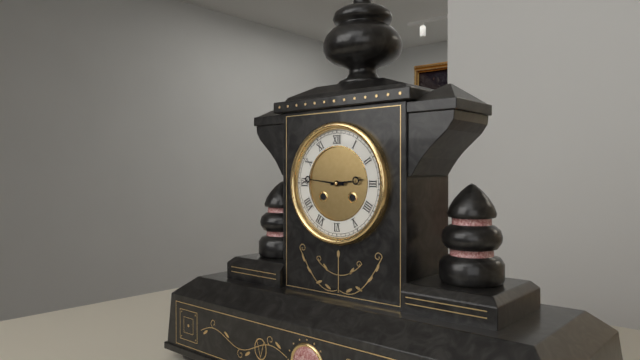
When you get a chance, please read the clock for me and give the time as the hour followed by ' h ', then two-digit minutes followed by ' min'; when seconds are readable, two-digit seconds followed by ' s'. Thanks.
2 h 46 min
